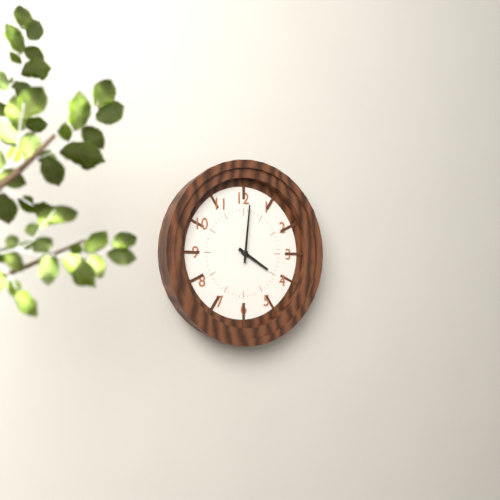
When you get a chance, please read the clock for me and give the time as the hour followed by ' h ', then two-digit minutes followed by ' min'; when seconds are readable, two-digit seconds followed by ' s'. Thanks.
4 h 01 min
